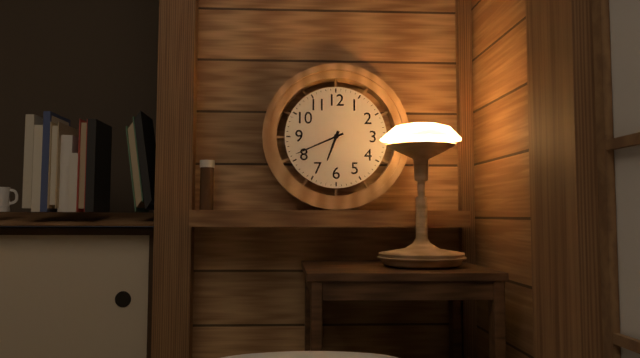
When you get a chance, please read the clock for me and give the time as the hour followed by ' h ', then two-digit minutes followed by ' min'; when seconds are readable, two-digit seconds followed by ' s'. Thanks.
6 h 41 min
